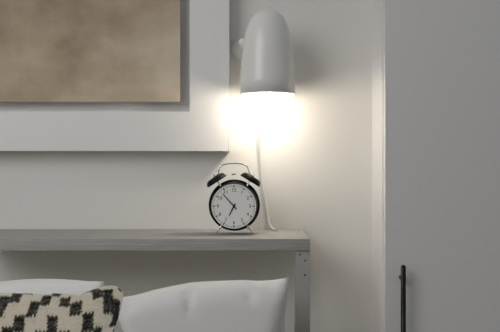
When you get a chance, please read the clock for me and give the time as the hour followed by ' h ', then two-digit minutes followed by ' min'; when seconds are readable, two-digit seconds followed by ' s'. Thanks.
6 h 53 min
